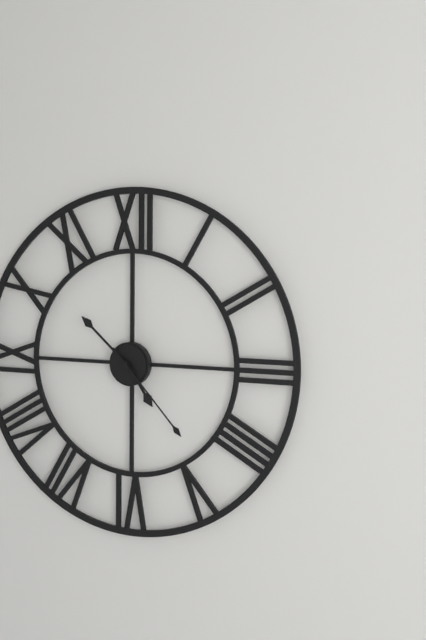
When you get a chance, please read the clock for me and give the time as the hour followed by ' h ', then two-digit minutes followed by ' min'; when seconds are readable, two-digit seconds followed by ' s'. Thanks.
4 h 52 min 23 s
